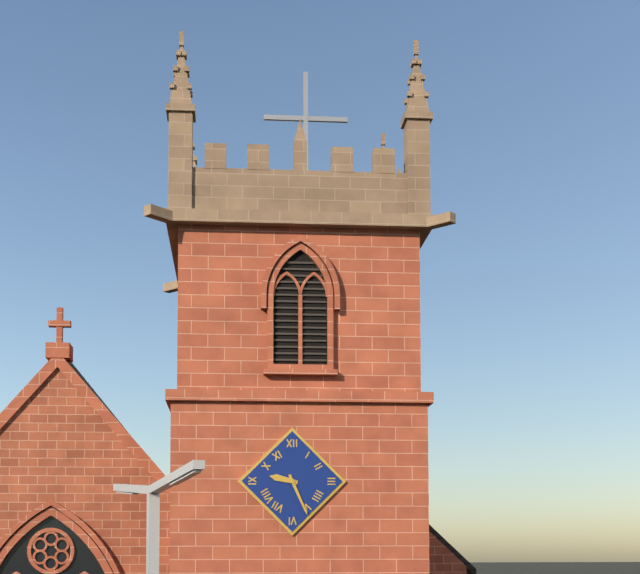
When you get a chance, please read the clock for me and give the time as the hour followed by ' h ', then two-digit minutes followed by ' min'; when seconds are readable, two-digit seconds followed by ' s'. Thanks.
9 h 26 min
